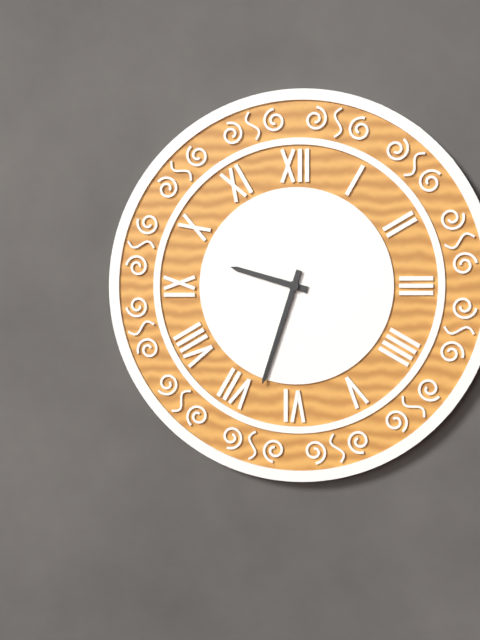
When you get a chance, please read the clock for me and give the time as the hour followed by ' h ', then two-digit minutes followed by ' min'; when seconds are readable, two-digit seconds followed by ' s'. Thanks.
9 h 33 min
